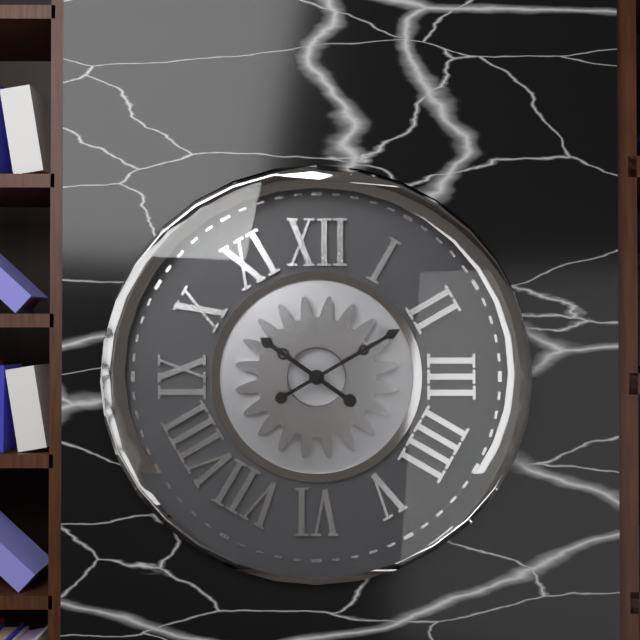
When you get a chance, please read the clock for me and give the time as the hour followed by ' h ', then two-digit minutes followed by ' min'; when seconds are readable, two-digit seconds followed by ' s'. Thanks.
10 h 10 min
